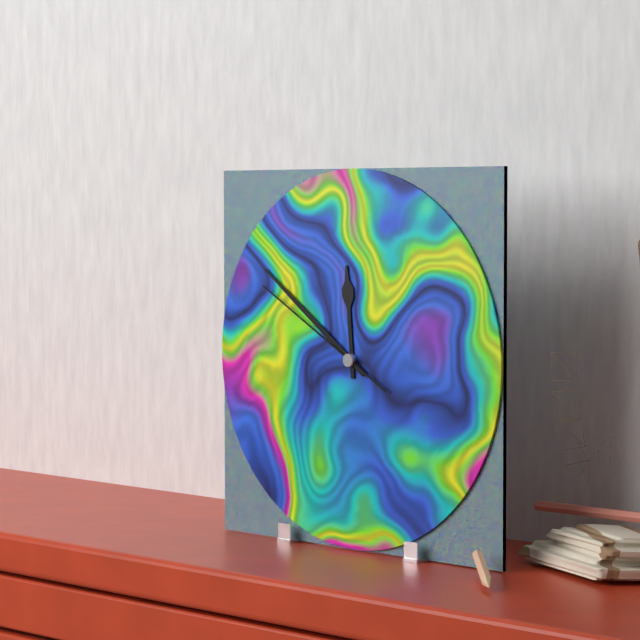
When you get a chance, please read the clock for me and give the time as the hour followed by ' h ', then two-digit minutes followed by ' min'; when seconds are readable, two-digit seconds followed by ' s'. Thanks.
11 h 51 min 50 s
